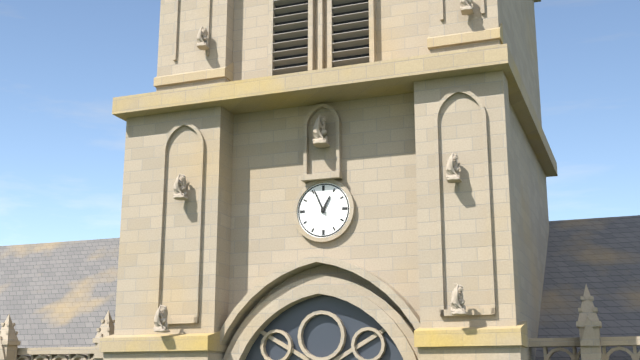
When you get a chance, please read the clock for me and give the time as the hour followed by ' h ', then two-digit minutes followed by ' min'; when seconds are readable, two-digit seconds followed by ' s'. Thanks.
12 h 56 min
